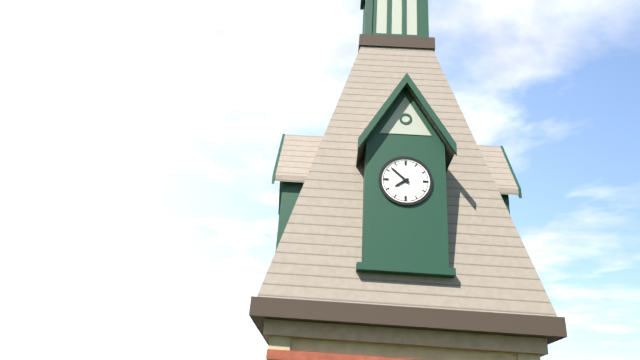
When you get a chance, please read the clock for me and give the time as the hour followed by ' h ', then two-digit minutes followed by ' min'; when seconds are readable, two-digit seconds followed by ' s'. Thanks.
7 h 52 min
